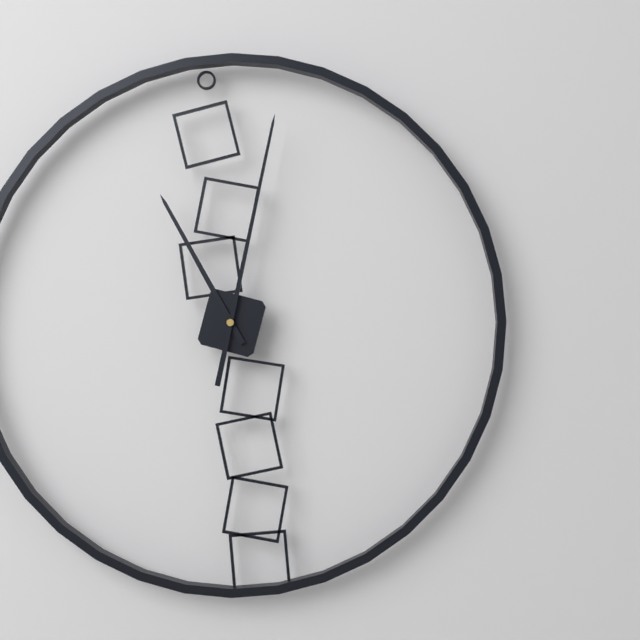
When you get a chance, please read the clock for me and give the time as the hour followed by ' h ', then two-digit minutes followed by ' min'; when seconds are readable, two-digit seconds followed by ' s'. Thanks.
11 h 02 min
